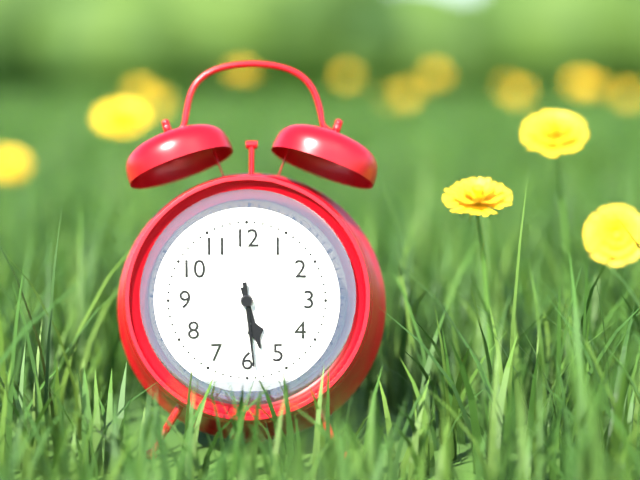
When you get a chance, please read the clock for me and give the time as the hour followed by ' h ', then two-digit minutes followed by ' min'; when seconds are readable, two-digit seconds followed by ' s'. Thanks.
5 h 29 min
